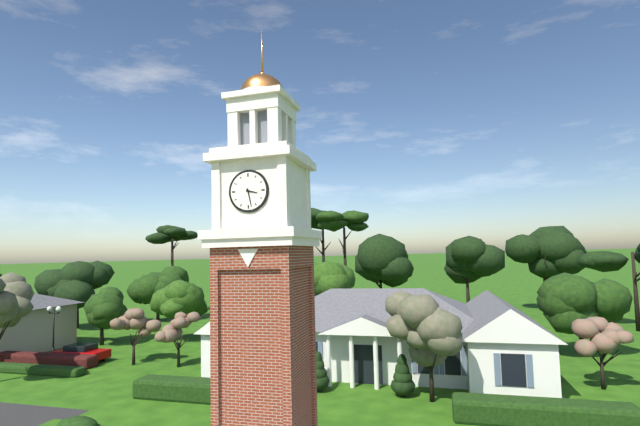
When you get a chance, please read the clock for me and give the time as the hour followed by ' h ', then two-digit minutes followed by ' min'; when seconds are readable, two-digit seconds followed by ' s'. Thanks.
3 h 28 min
